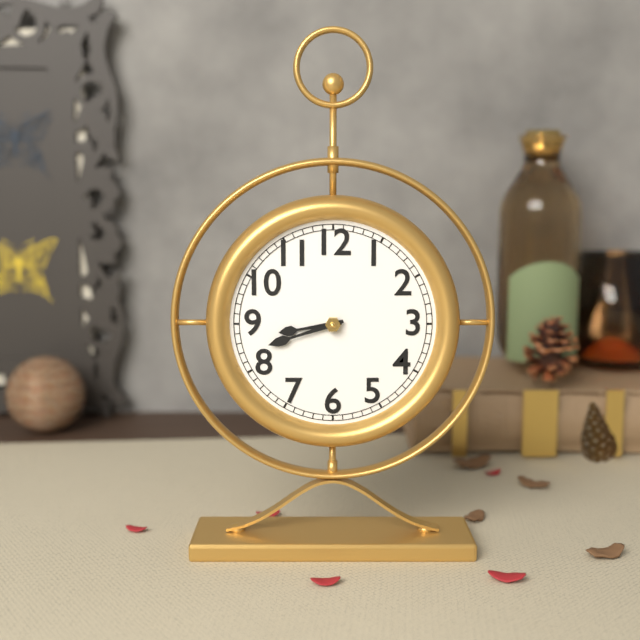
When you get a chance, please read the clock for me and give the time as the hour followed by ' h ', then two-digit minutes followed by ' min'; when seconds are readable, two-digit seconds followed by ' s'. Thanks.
8 h 42 min
